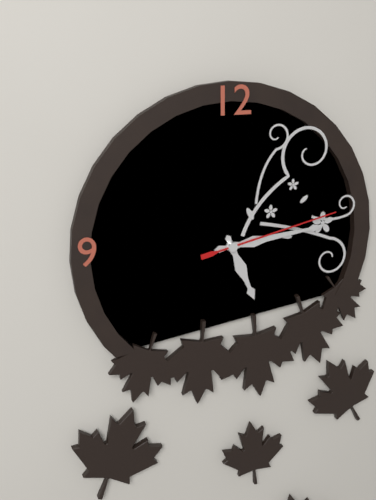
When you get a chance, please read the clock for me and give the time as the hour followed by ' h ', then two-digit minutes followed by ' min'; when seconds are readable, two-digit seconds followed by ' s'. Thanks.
5 h 14 min 13 s
